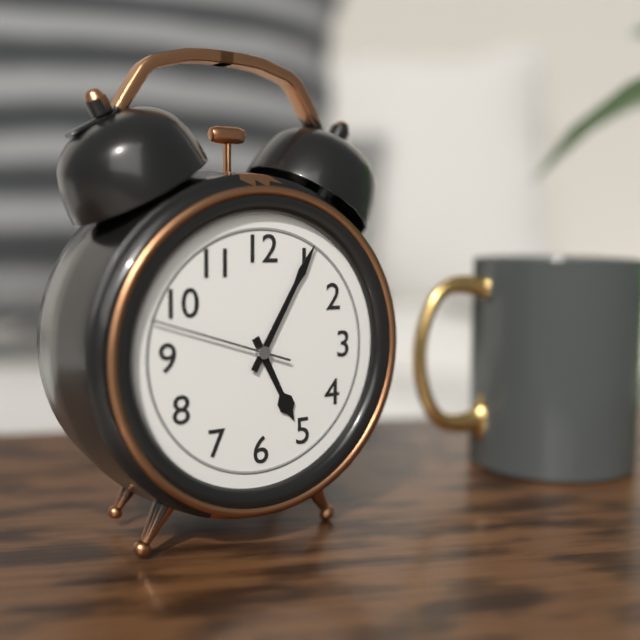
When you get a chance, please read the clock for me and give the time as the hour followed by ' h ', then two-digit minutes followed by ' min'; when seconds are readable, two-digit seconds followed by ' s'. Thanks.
5 h 05 min 48 s
